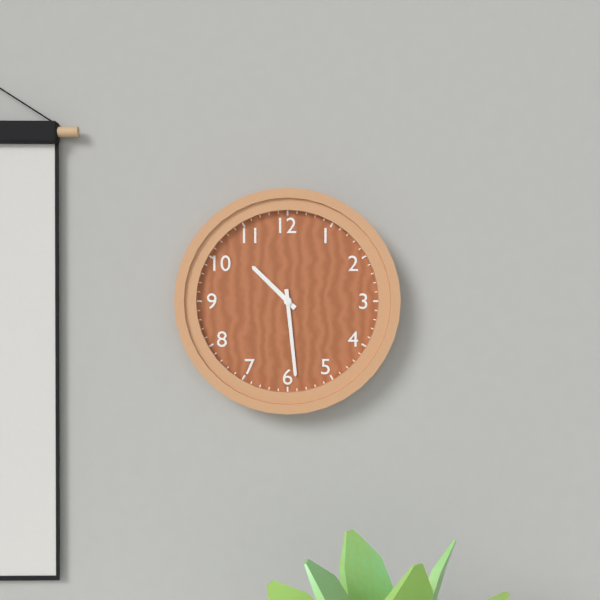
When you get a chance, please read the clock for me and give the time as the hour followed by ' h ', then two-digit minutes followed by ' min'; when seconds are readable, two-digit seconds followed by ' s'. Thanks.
10 h 29 min
